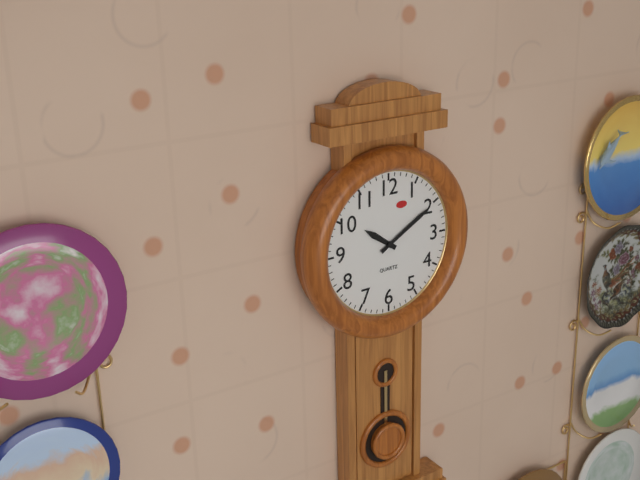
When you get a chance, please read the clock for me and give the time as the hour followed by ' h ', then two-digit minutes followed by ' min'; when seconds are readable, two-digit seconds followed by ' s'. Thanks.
10 h 10 min
